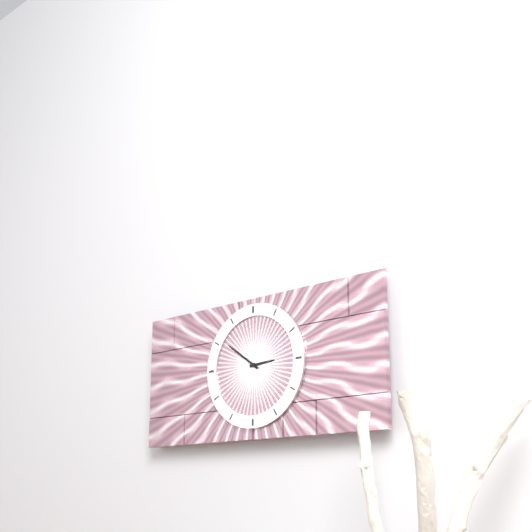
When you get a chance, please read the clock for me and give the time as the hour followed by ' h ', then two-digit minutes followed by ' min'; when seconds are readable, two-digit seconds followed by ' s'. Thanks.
2 h 51 min
